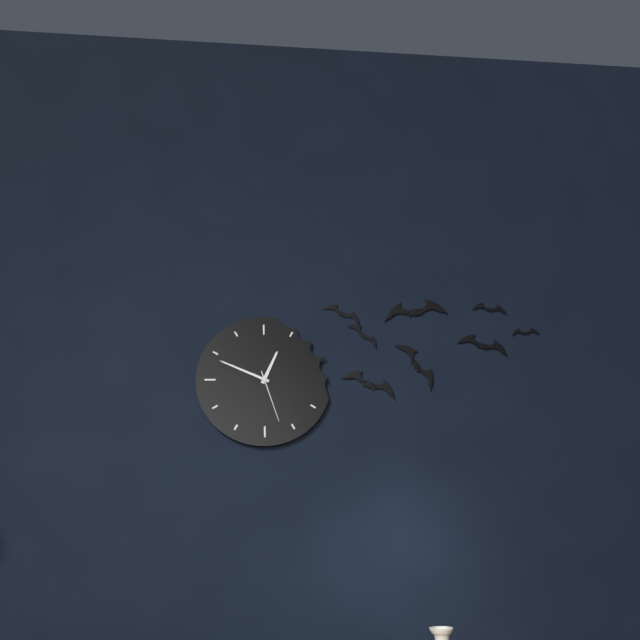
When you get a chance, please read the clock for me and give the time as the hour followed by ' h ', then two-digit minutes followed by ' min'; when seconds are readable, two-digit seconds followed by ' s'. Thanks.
12 h 49 min 27 s
